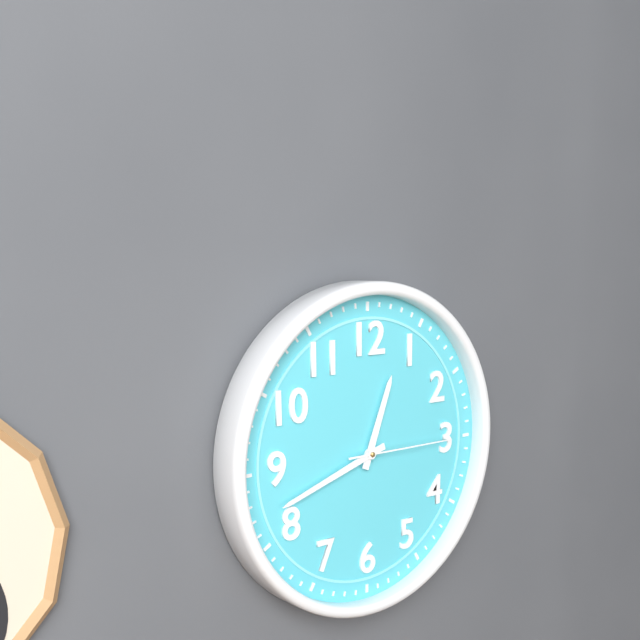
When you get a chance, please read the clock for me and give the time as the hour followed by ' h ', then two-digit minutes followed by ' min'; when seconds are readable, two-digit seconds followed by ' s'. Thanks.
12 h 42 min 15 s
